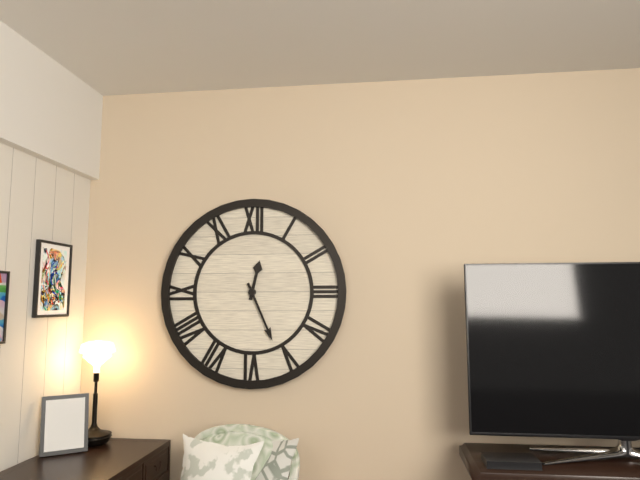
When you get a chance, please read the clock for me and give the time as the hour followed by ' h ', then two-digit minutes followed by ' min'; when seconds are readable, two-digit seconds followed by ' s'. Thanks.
12 h 26 min
